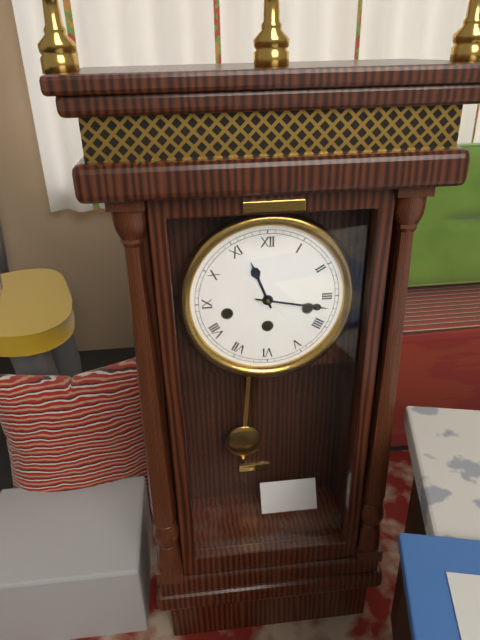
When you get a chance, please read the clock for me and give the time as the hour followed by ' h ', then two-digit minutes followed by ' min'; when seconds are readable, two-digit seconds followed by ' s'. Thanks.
11 h 17 min
